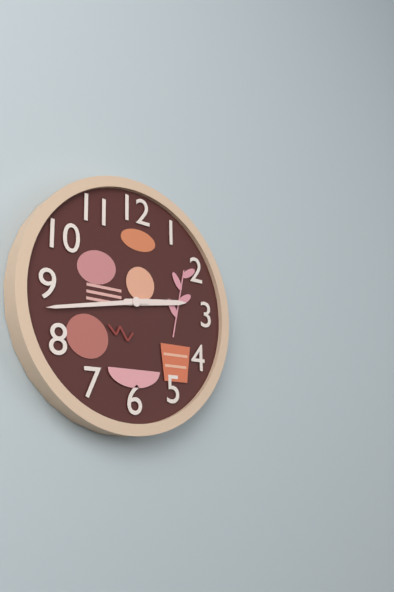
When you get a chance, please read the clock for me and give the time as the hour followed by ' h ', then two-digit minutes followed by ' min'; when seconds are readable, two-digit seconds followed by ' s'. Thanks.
2 h 43 min
